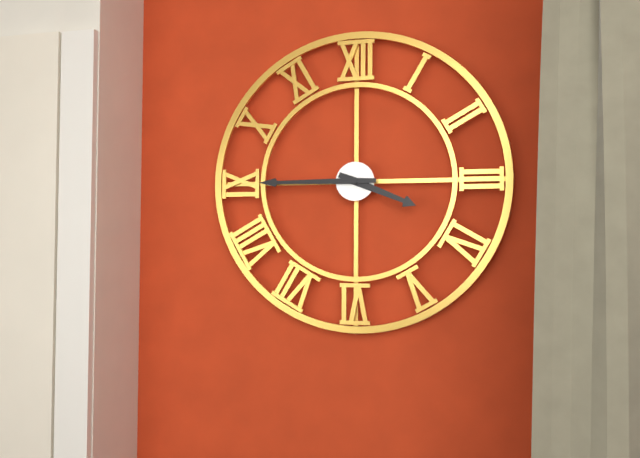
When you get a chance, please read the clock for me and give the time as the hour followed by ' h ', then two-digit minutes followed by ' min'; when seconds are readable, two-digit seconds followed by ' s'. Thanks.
3 h 45 min
